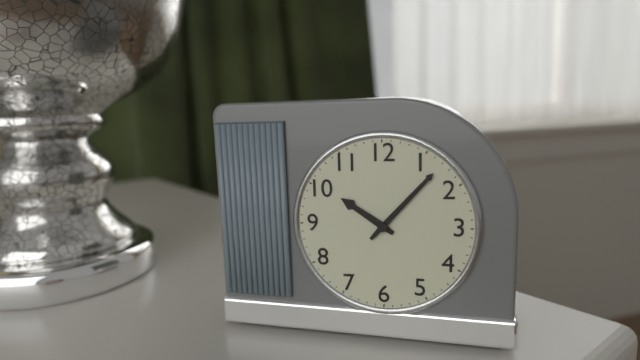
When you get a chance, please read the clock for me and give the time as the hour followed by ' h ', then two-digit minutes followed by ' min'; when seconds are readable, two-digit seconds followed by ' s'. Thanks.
10 h 07 min
